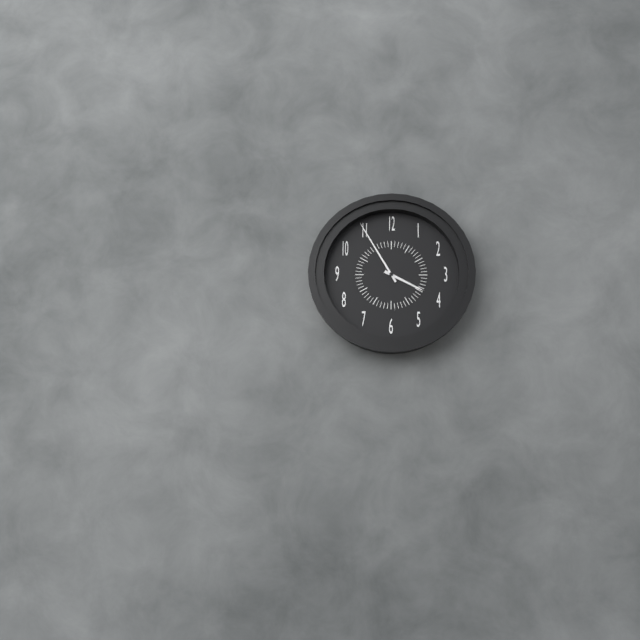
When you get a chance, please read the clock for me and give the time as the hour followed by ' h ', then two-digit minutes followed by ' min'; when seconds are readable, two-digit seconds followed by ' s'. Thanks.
3 h 55 min
